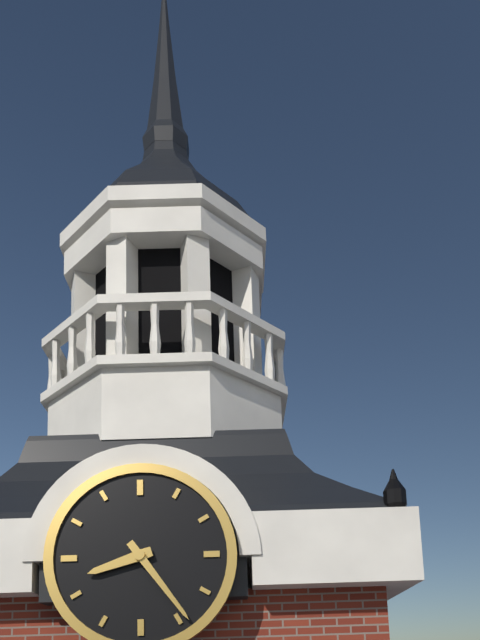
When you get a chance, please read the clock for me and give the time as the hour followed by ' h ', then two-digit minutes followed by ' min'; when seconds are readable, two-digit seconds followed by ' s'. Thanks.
8 h 24 min
